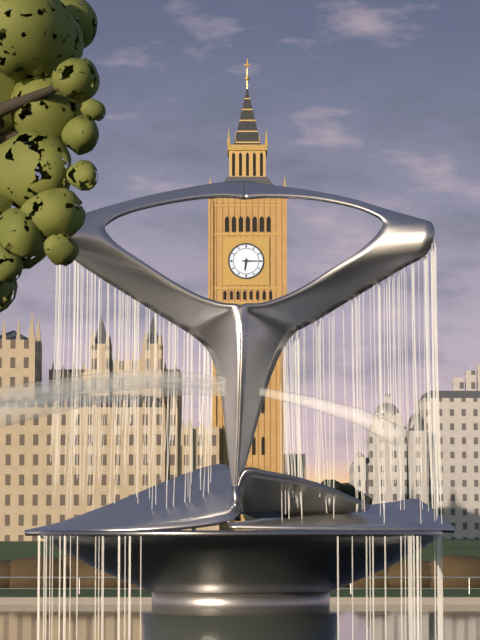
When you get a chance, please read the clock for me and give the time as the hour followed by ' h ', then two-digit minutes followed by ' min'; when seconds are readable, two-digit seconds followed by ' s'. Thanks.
6 h 15 min
